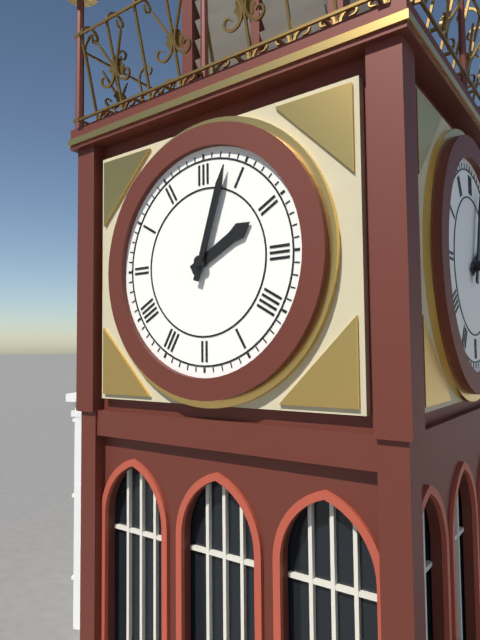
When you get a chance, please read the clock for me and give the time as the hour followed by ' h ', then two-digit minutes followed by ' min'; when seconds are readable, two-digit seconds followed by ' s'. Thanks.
2 h 03 min
